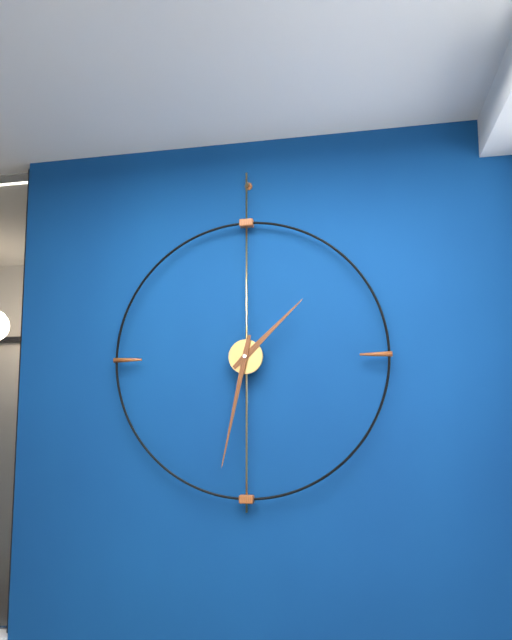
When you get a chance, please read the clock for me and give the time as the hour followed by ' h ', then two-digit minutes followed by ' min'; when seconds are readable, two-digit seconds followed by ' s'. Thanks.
1 h 32 min
